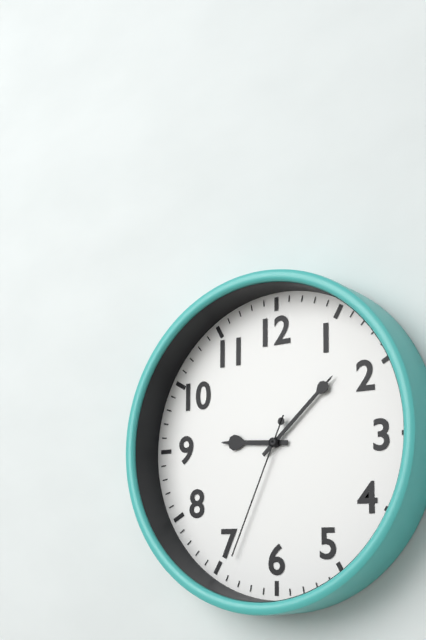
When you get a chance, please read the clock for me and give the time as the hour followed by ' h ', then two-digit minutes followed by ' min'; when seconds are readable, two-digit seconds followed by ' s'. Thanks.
9 h 08 min 34 s
